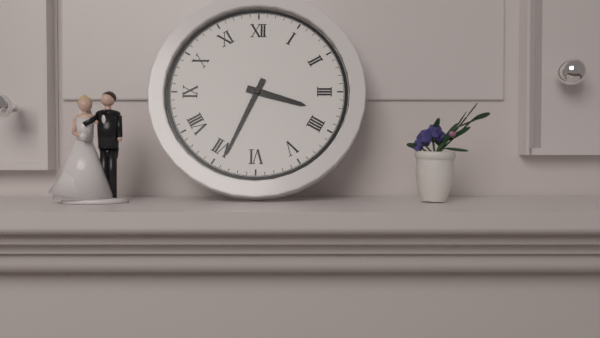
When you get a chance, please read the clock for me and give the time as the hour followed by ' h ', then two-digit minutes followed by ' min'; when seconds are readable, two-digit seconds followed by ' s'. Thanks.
3 h 34 min
